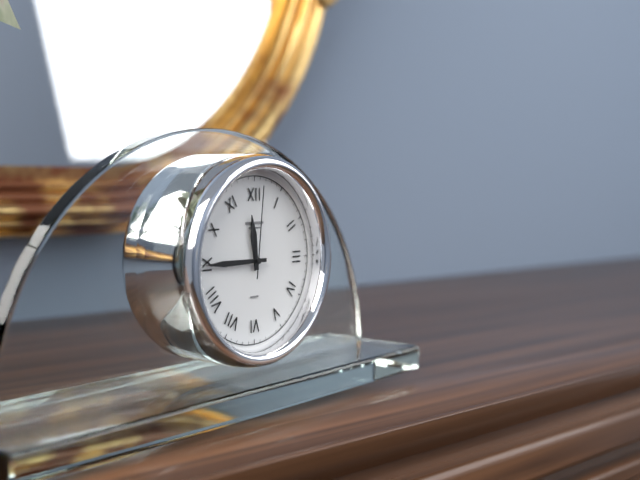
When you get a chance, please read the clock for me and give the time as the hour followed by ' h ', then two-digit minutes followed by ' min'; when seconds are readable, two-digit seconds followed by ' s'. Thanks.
11 h 45 min 01 s
